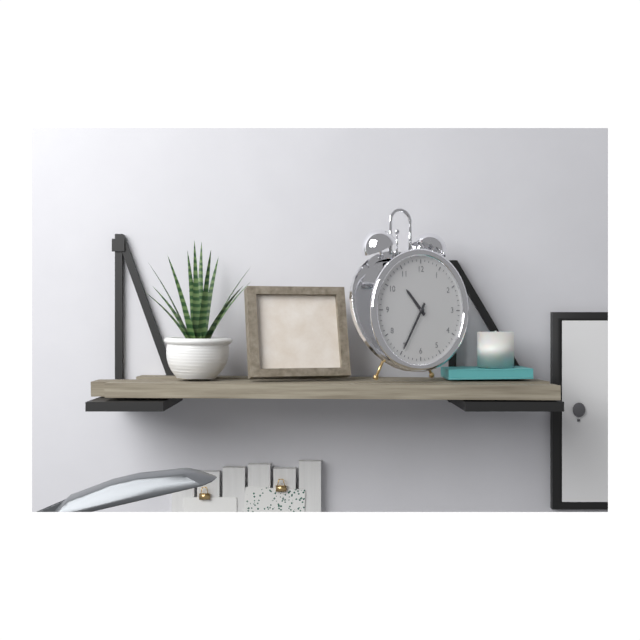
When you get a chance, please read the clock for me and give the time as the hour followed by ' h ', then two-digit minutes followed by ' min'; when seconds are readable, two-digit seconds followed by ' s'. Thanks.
10 h 35 min
